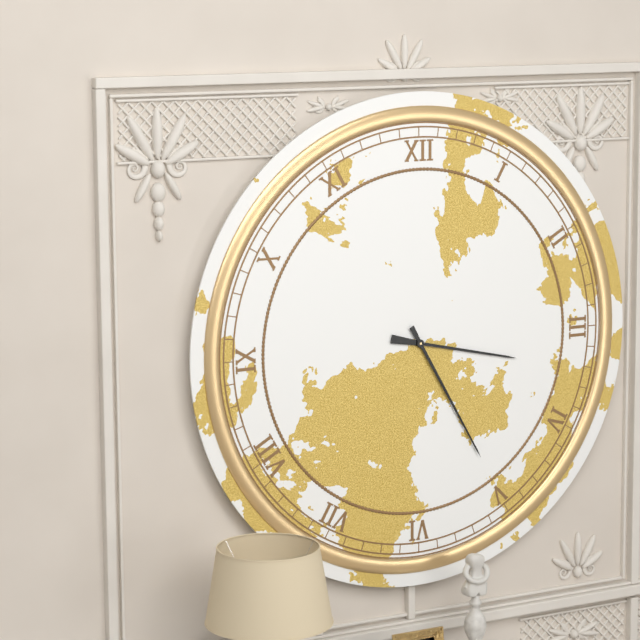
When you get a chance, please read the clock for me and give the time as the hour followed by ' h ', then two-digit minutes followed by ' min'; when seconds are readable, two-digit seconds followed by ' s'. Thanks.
3 h 25 min
